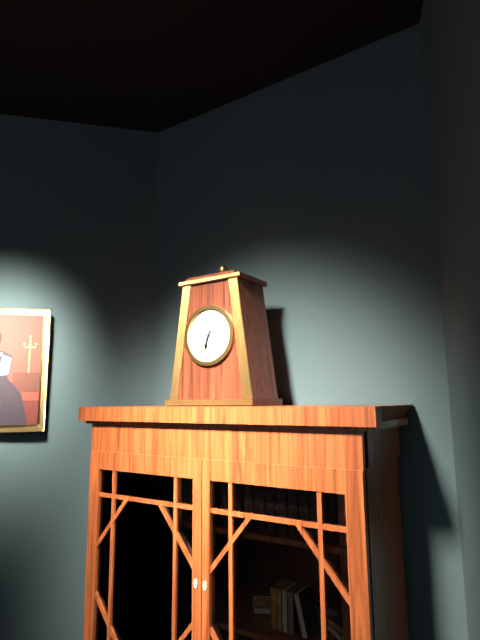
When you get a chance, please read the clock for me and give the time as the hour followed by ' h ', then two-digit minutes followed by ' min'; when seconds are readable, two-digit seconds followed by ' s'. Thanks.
6 h 35 min
